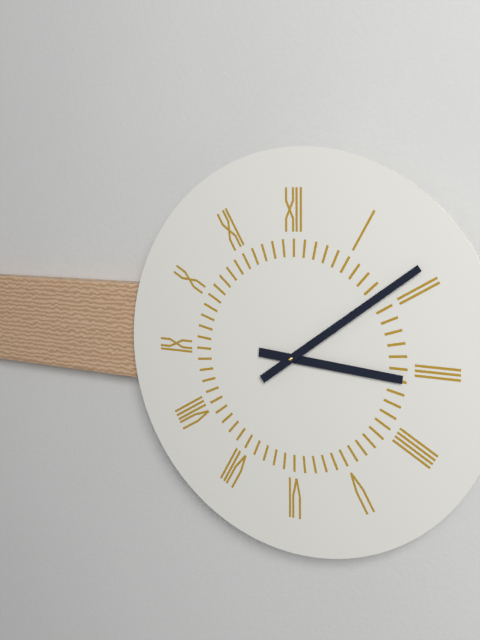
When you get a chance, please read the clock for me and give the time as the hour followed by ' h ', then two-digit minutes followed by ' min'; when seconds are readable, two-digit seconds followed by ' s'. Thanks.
3 h 09 min
